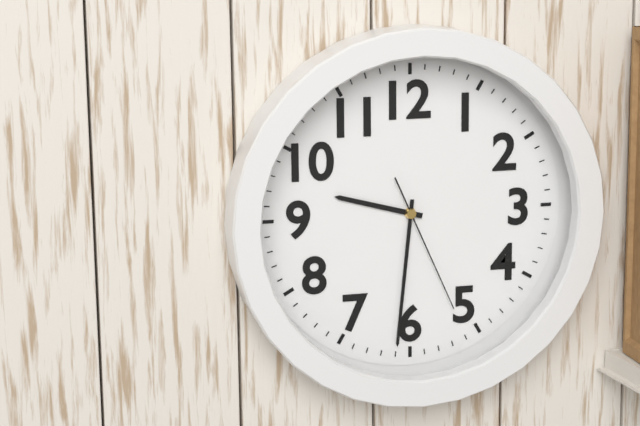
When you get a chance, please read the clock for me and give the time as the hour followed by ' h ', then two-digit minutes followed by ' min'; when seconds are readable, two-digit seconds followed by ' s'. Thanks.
9 h 31 min 26 s
